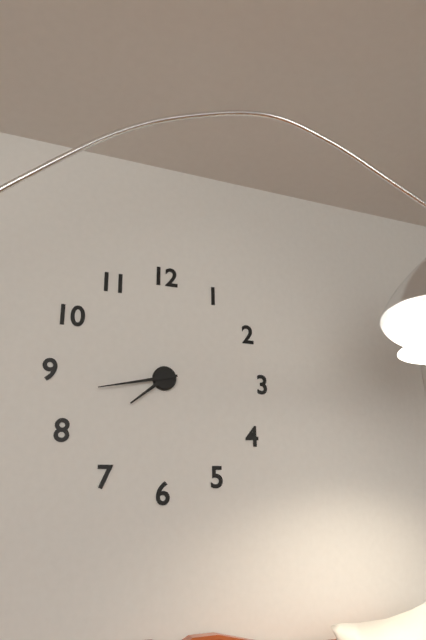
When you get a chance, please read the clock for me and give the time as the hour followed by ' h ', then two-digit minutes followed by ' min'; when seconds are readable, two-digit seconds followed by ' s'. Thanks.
7 h 43 min
